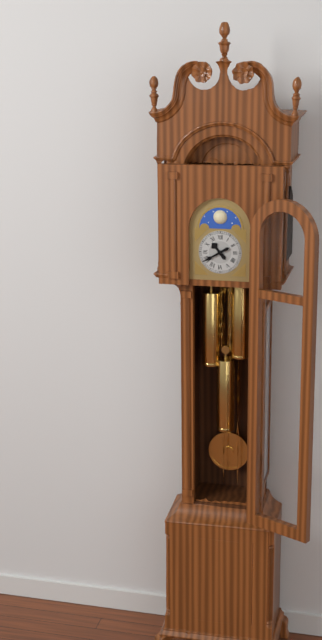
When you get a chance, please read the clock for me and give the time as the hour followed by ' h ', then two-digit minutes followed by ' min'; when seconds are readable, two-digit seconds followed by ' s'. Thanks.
10 h 40 min
